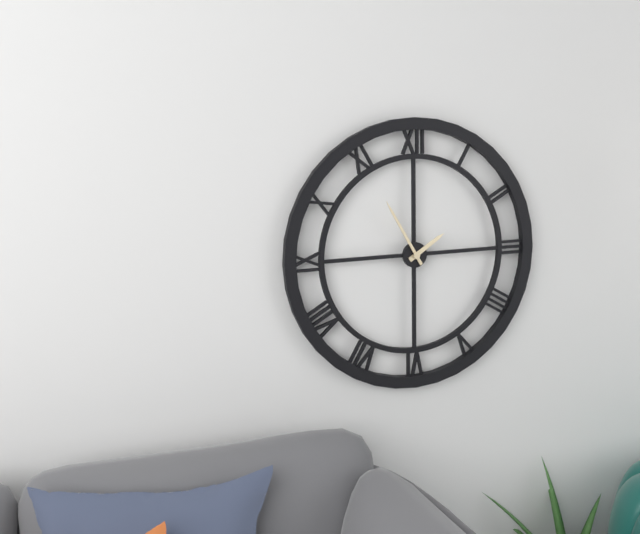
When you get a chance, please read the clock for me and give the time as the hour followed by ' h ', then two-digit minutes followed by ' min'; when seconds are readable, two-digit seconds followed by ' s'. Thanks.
1 h 55 min
